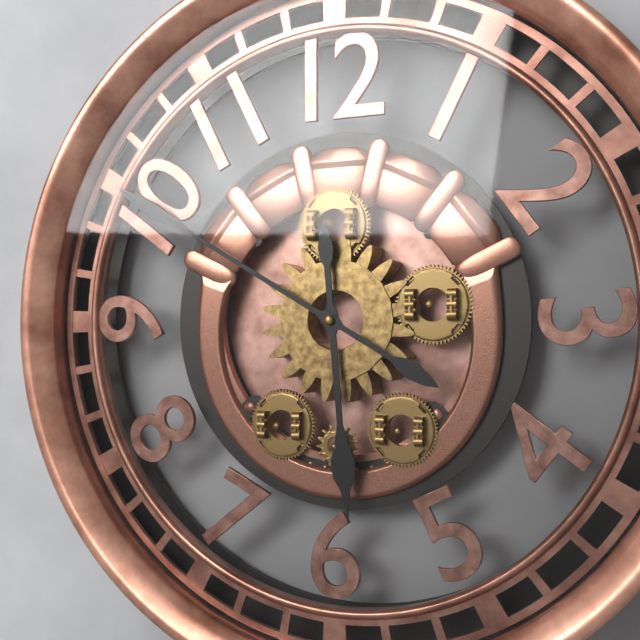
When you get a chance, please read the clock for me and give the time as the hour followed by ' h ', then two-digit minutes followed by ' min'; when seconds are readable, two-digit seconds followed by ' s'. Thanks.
5 h 50 min
